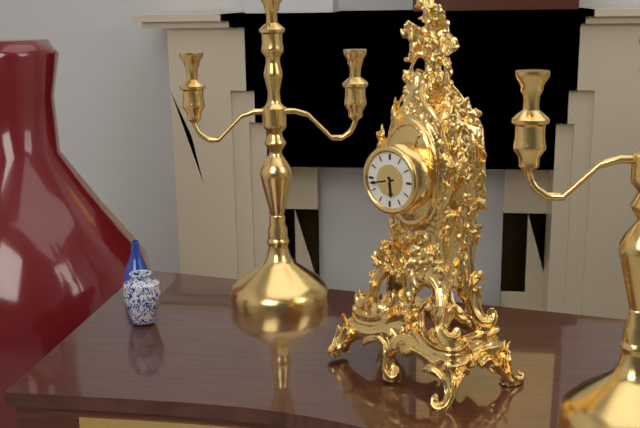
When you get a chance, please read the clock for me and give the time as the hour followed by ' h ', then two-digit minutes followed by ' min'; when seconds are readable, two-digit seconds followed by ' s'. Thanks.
5 h 43 min
